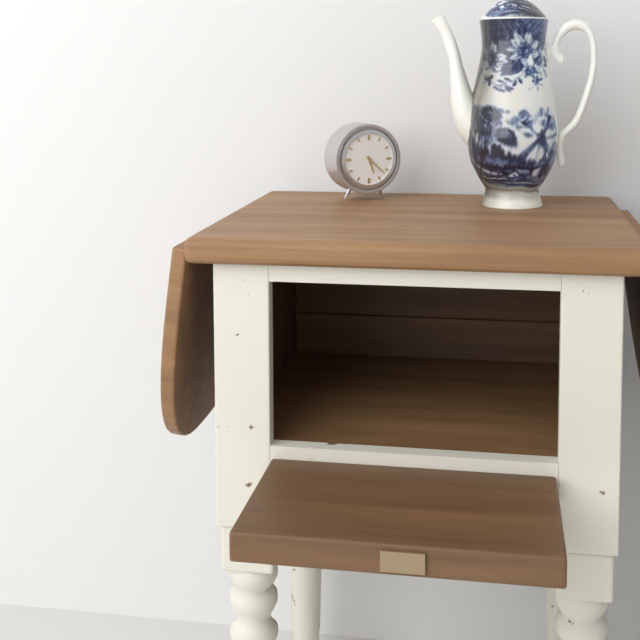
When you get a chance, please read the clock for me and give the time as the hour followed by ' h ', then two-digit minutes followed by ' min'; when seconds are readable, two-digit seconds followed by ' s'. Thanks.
5 h 22 min
